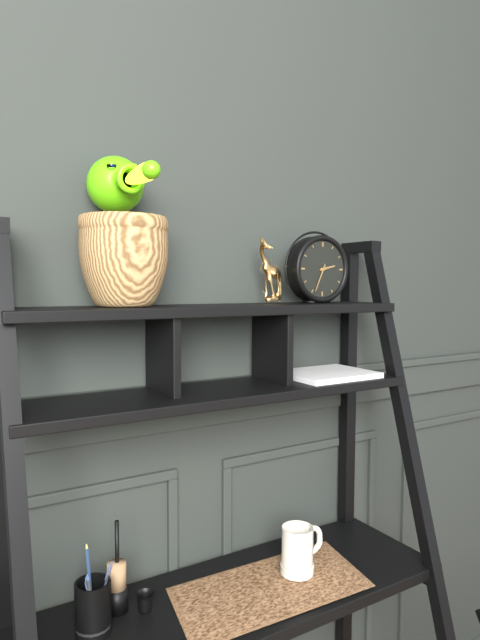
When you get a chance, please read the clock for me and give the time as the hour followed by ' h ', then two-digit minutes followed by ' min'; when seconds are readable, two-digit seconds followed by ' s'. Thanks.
2 h 34 min
